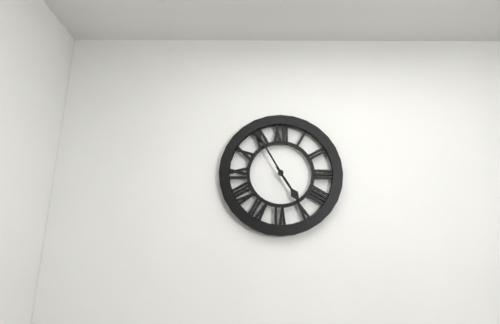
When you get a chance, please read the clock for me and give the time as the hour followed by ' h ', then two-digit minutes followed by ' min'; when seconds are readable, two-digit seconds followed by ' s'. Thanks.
4 h 55 min
